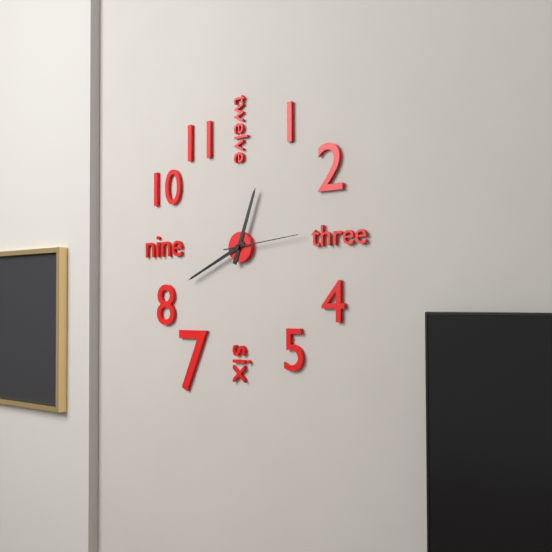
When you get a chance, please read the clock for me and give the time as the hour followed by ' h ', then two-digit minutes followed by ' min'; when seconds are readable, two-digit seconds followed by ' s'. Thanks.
12 h 41 min 14 s
